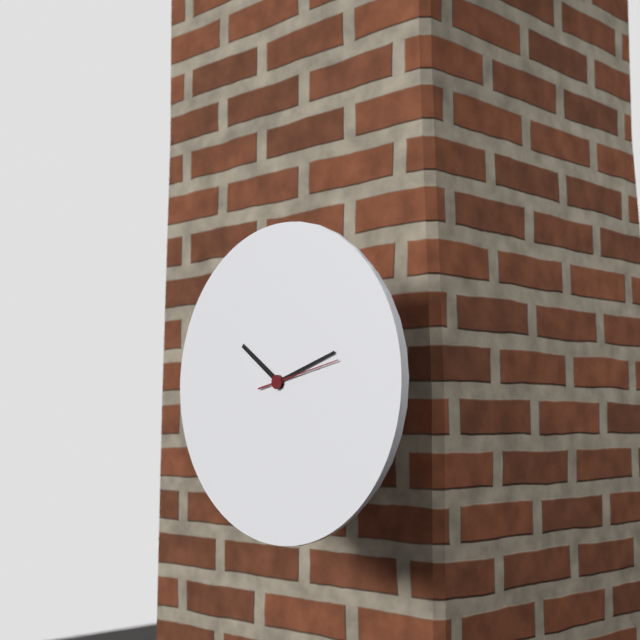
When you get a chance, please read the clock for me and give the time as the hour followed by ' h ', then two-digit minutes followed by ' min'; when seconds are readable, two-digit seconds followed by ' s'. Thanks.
10 h 12 min 13 s
